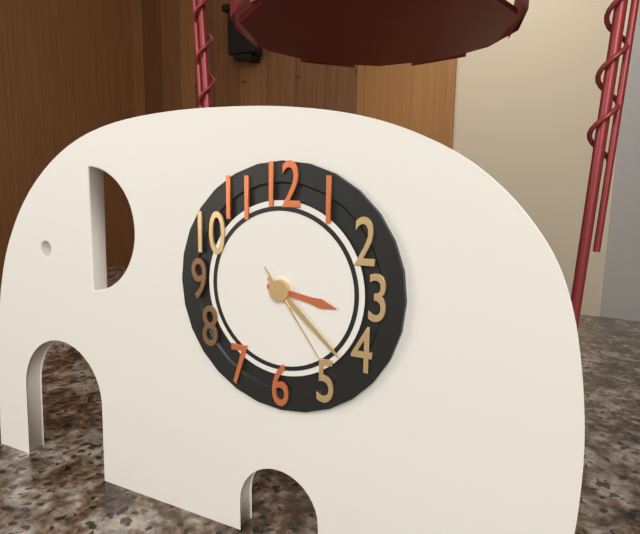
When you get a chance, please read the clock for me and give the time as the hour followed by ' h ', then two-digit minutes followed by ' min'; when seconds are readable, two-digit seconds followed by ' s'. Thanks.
3 h 22 min 24 s
